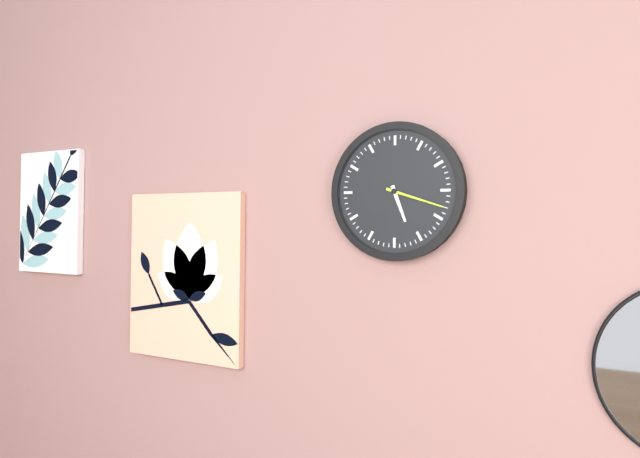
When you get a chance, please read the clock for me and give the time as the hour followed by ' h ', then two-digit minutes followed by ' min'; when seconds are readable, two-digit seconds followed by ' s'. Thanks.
5 h 18 min
